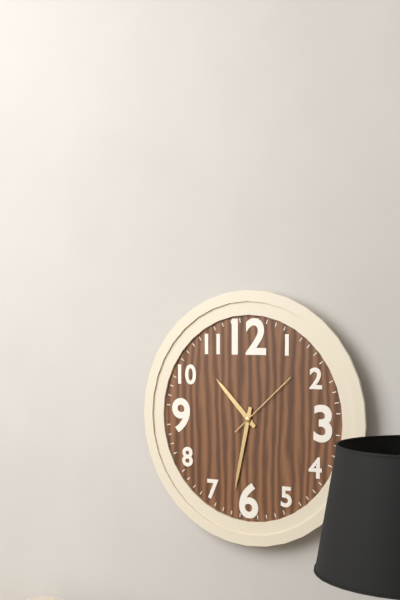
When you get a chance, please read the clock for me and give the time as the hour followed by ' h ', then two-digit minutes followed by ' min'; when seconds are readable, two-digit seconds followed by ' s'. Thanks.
10 h 32 min 08 s
